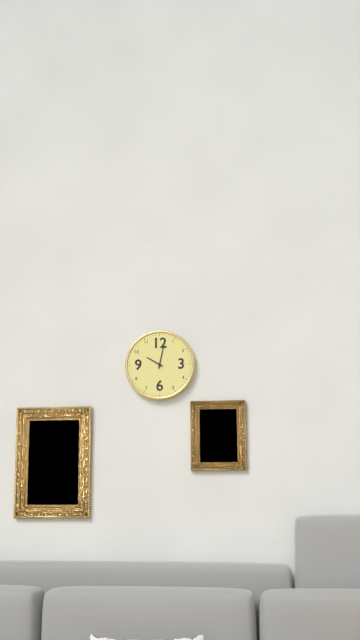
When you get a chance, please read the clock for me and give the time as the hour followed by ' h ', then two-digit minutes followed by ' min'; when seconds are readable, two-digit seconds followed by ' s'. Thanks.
10 h 02 min
